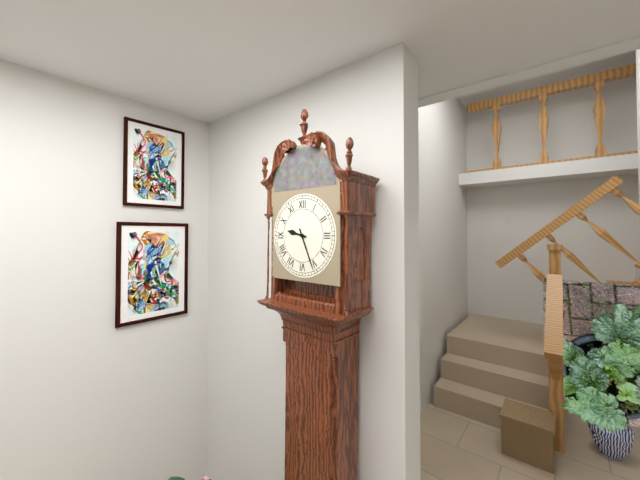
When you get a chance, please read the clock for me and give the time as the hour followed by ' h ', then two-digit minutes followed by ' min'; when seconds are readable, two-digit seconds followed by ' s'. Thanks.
9 h 26 min
